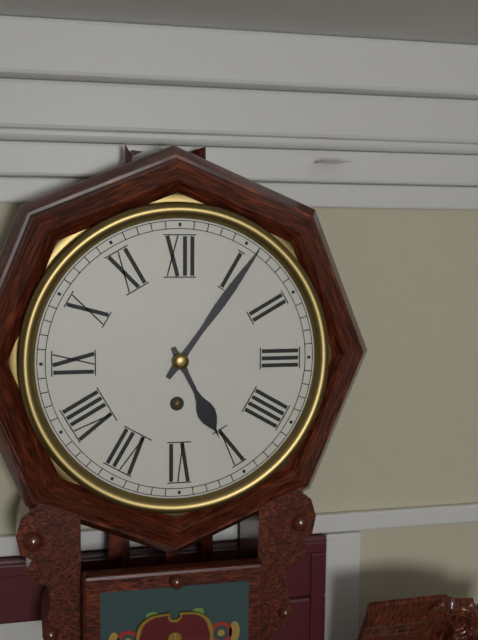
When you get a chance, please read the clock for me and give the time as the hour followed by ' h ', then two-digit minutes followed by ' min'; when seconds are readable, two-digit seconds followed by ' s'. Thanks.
5 h 06 min
